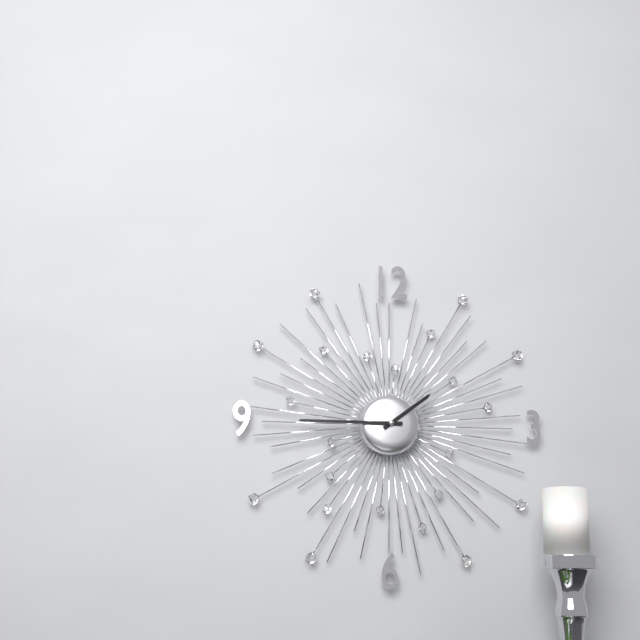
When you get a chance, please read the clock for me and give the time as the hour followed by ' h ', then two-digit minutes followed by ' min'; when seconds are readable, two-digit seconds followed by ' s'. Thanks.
1 h 45 min
